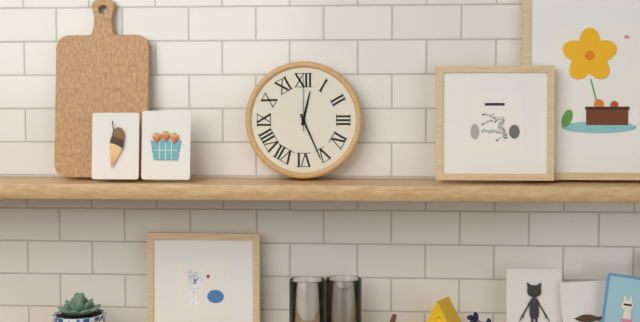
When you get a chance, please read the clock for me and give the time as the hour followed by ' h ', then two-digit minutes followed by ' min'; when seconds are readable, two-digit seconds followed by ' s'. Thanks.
12 h 26 min 00 s
